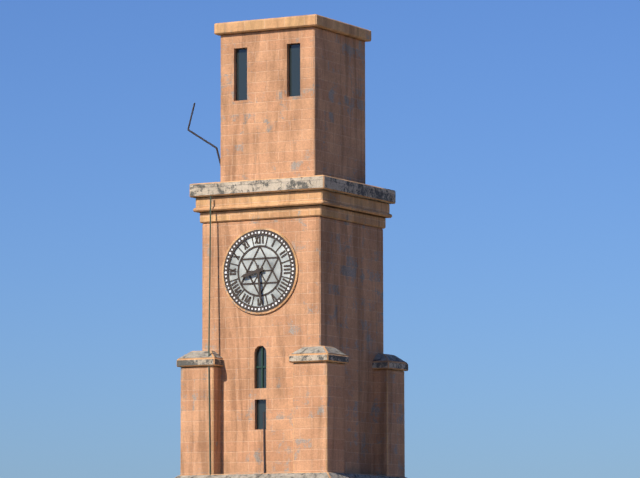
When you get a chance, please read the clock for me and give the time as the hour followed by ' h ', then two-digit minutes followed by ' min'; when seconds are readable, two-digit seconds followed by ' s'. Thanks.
8 h 29 min
